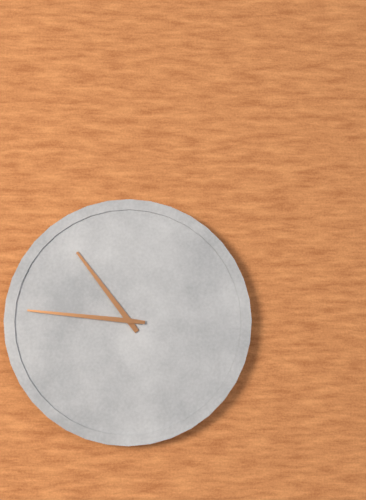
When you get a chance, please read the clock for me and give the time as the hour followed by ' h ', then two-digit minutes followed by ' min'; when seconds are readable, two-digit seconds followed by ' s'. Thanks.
10 h 46 min
